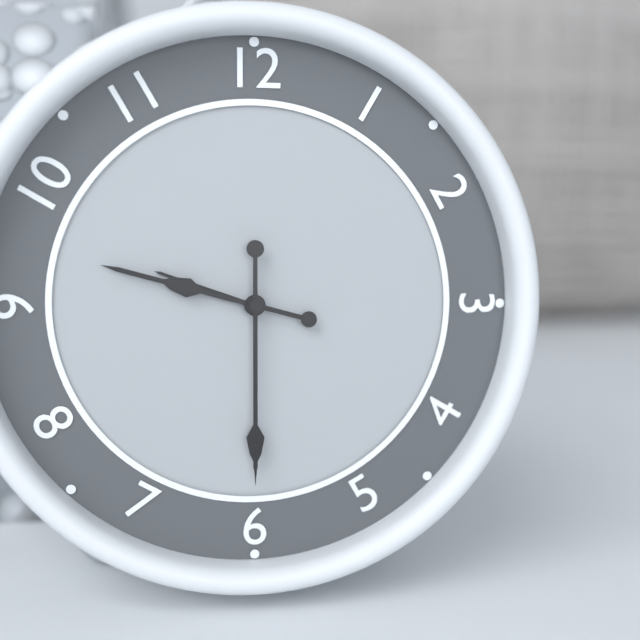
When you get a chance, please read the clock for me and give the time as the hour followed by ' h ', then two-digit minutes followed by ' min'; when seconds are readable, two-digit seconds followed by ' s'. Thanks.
9 h 30 min
